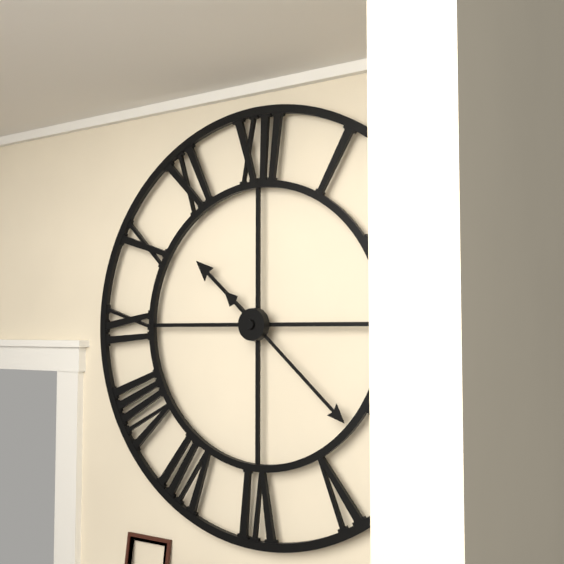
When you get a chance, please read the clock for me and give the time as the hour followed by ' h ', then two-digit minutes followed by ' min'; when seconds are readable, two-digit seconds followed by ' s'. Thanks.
10 h 22 min
